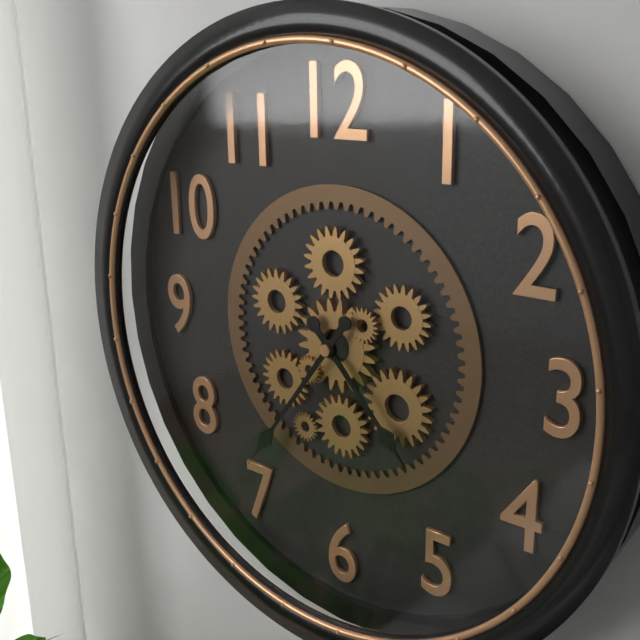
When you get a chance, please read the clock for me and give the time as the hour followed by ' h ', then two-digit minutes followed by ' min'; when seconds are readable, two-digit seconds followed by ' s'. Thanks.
4 h 36 min
